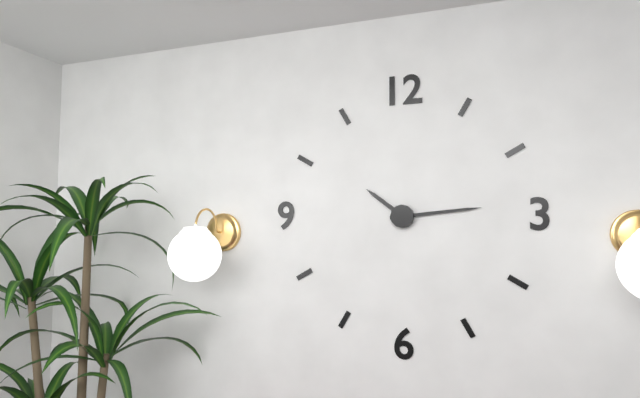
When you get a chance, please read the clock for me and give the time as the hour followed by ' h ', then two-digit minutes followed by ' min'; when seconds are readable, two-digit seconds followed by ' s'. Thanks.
10 h 14 min
